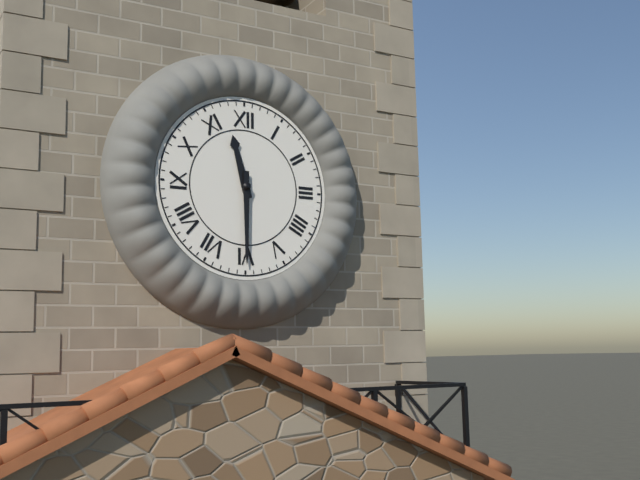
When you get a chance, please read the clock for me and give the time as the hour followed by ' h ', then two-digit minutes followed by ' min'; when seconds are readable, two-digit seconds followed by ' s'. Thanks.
11 h 30 min
